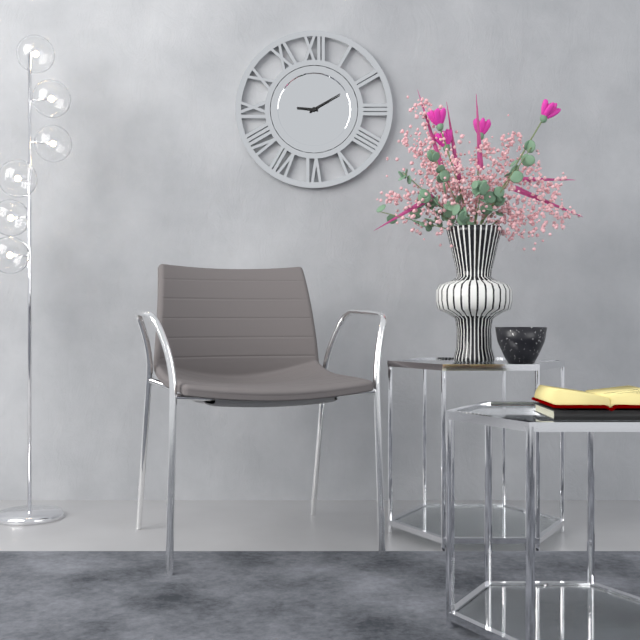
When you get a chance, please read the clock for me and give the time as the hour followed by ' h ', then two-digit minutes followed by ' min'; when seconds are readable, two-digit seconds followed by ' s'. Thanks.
9 h 10 min
